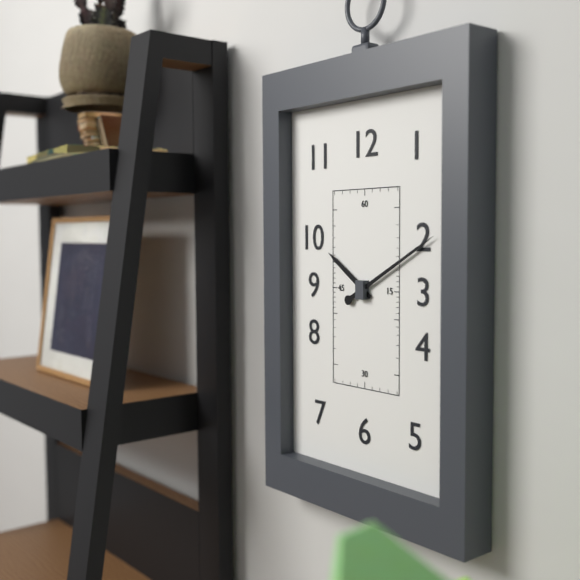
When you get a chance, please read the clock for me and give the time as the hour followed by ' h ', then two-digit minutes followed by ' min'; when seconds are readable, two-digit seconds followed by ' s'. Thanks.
10 h 10 min
